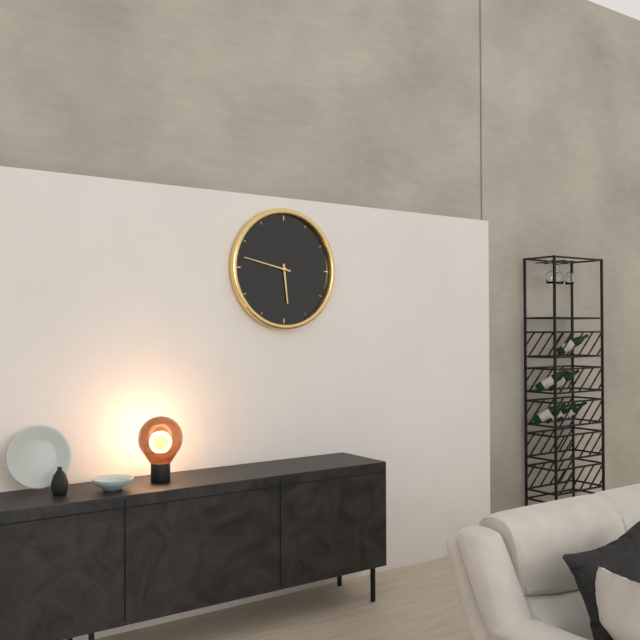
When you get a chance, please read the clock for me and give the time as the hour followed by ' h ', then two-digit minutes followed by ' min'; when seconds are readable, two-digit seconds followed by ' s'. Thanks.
5 h 47 min
